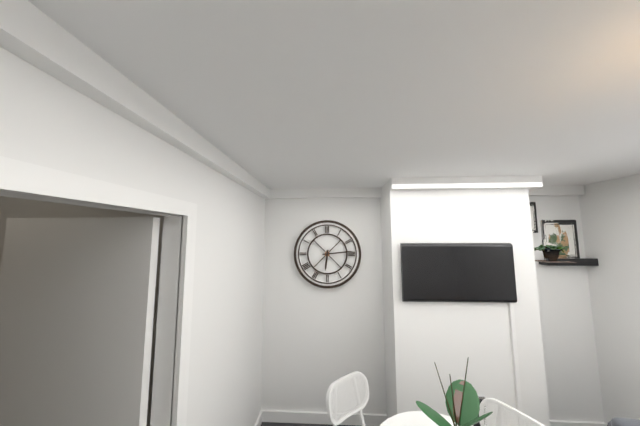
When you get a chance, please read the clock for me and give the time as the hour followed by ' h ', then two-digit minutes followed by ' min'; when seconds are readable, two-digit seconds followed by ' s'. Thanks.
6 h 14 min
